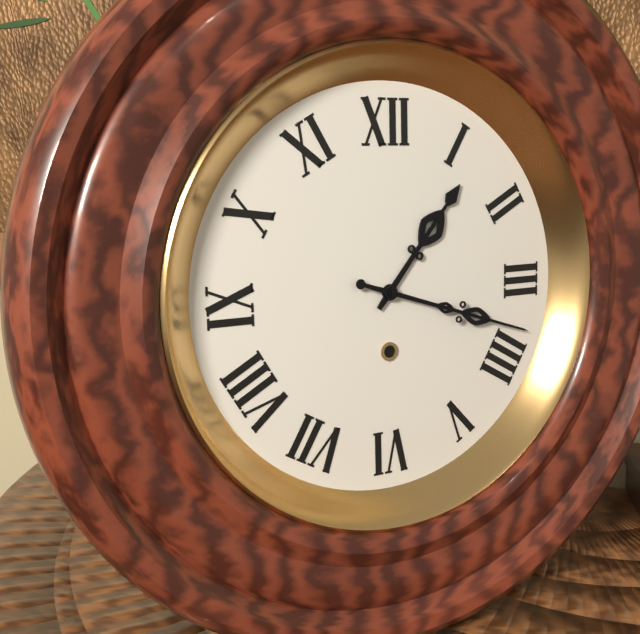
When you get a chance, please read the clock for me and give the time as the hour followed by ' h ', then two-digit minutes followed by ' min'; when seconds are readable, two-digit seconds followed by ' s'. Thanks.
1 h 18 min
